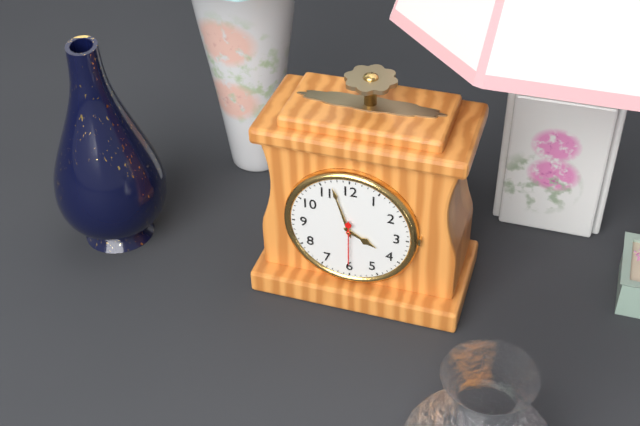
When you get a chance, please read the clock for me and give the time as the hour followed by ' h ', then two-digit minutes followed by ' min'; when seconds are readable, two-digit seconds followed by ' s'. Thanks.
3 h 57 min
